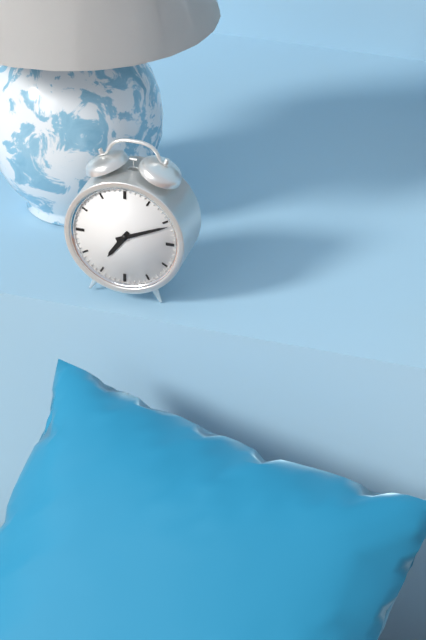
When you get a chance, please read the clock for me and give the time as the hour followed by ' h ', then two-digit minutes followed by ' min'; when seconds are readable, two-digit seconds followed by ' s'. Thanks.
7 h 11 min
